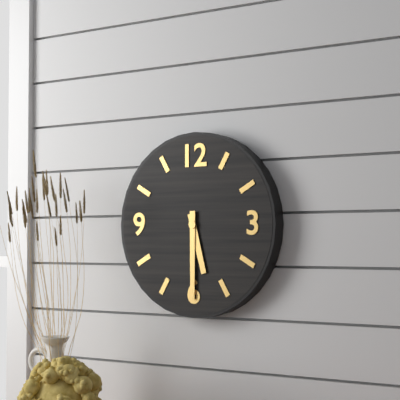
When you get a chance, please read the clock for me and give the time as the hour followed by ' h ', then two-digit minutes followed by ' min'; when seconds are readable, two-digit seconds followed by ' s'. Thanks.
5 h 30 min
